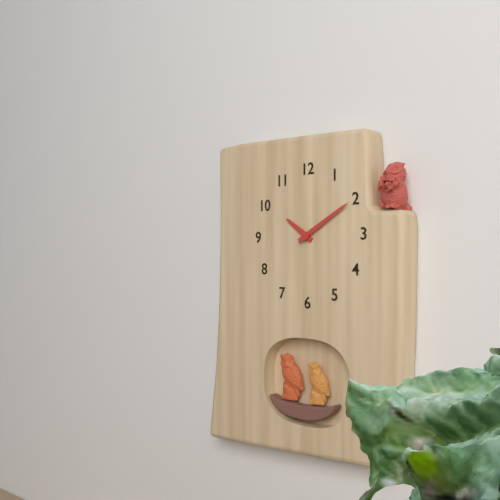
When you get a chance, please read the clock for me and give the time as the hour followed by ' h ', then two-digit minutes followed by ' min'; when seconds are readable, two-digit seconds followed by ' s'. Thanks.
10 h 10 min
